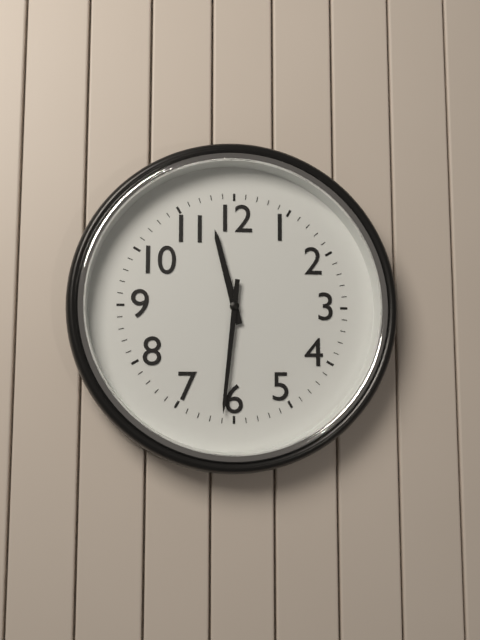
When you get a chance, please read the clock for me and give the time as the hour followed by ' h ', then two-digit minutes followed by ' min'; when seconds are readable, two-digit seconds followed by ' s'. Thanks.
11 h 31 min
